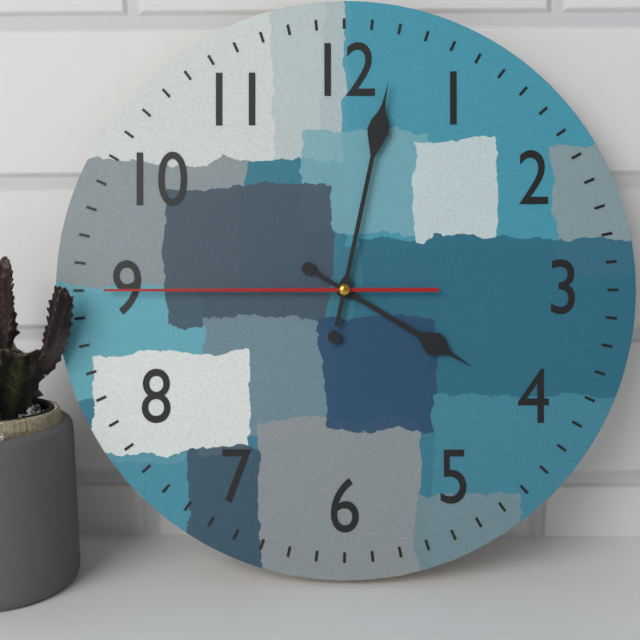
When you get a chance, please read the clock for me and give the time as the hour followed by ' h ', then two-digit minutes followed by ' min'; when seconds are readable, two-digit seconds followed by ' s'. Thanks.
4 h 02 min 45 s
